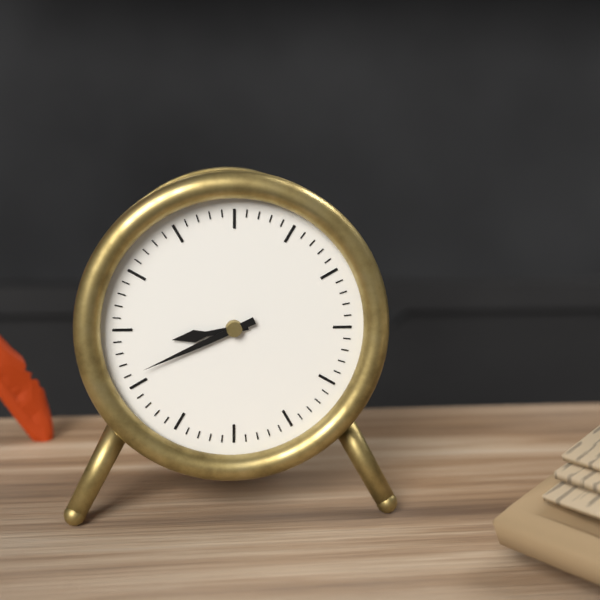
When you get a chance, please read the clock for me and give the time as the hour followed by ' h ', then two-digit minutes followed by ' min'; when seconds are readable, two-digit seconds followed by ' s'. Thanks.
8 h 41 min
